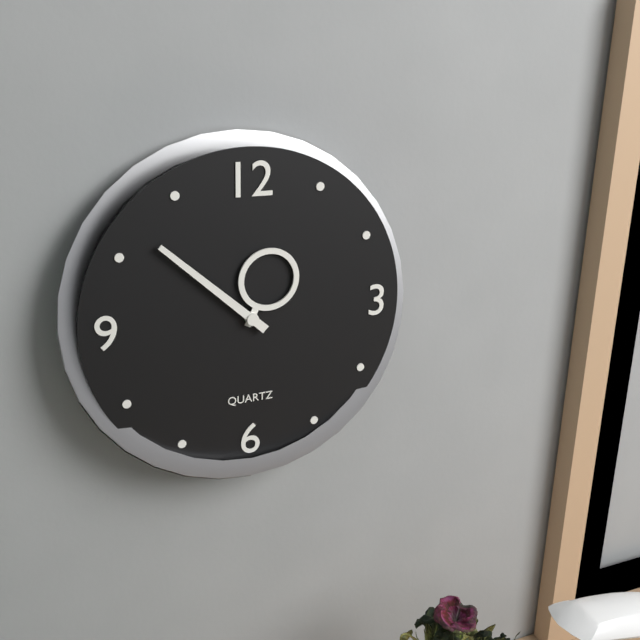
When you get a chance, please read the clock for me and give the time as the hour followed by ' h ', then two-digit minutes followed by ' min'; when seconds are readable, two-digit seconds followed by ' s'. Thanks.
12 h 52 min
